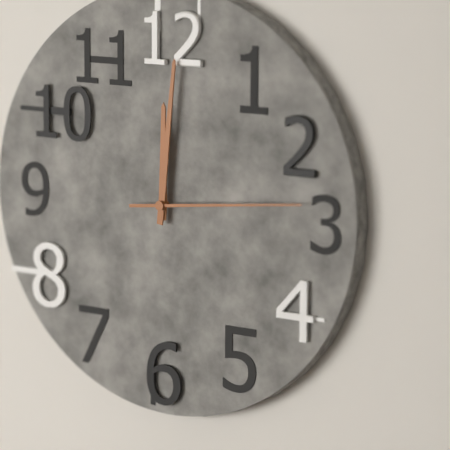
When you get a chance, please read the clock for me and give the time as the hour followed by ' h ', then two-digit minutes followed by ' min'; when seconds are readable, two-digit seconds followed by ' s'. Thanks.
12 h 01 min 14 s
